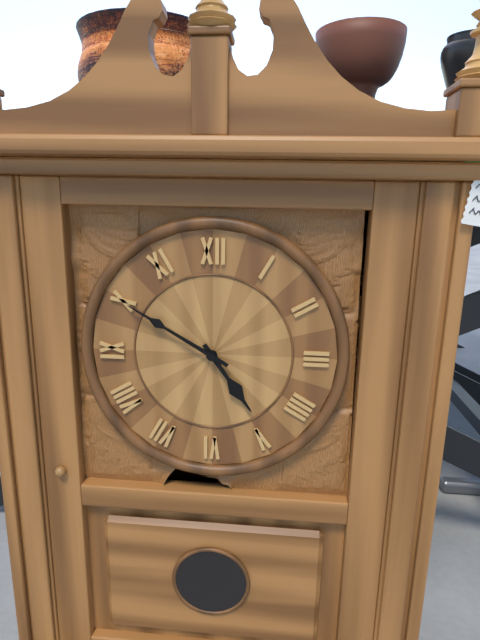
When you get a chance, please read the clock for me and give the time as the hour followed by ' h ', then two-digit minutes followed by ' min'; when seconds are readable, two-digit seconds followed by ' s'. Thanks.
4 h 50 min
